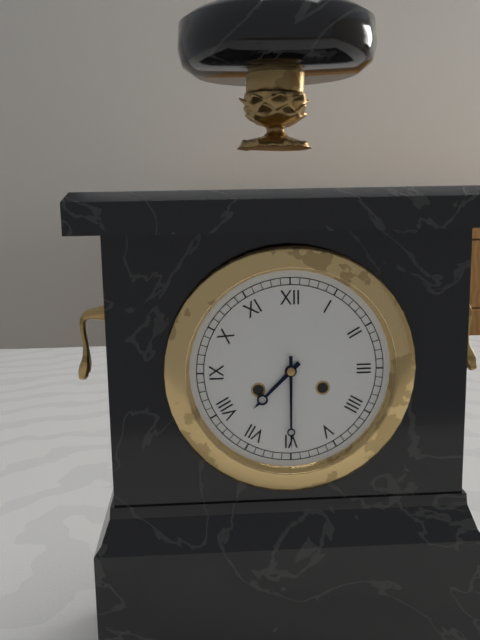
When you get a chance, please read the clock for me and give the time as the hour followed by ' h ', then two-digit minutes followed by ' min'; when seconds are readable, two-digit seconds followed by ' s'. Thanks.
7 h 30 min
